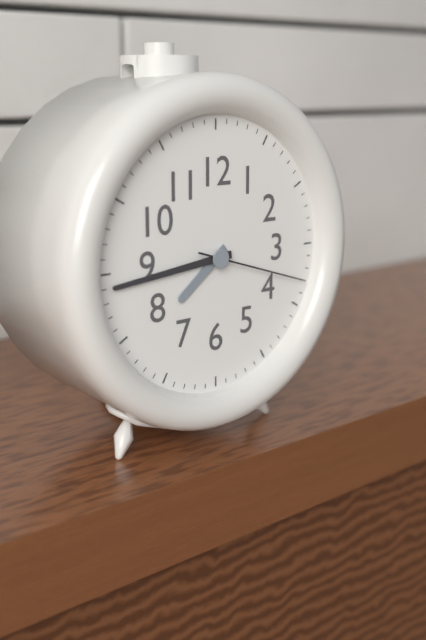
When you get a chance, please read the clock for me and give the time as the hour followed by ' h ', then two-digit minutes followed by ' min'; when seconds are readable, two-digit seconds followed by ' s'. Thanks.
7 h 44 min 18 s
